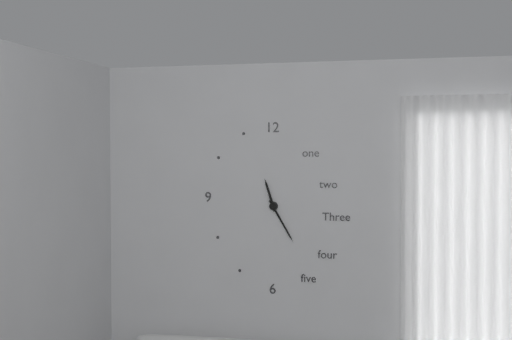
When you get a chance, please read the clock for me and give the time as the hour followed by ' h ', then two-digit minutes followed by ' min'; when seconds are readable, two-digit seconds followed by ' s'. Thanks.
11 h 25 min
